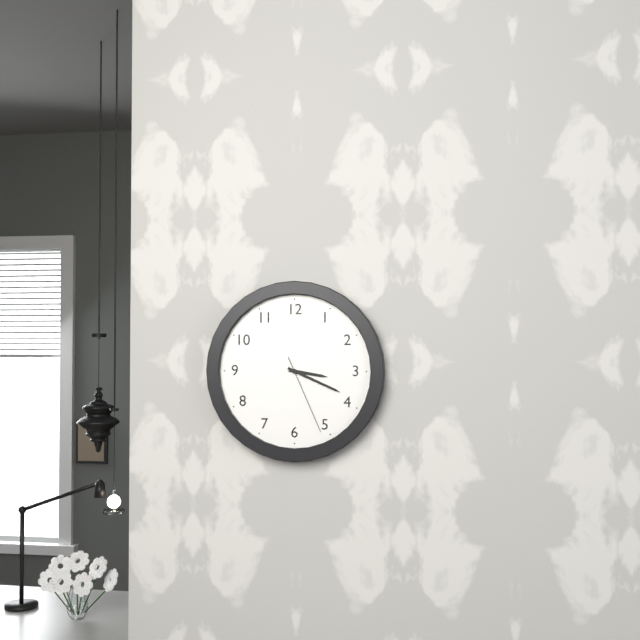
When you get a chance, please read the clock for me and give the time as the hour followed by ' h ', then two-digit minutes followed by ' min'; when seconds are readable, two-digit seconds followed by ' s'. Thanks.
3 h 19 min 26 s
